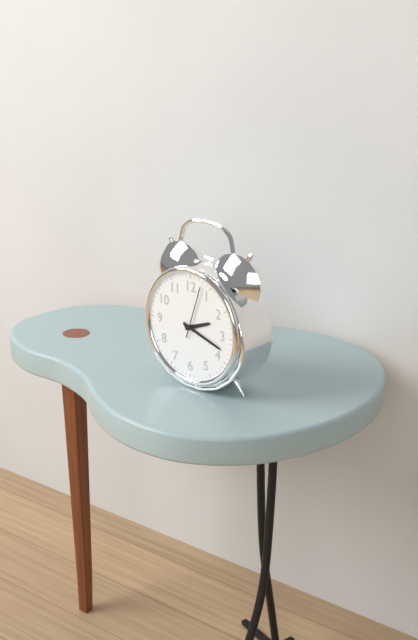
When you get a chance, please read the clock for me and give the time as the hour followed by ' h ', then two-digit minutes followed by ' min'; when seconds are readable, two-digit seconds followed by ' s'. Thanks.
2 h 18 min 03 s
